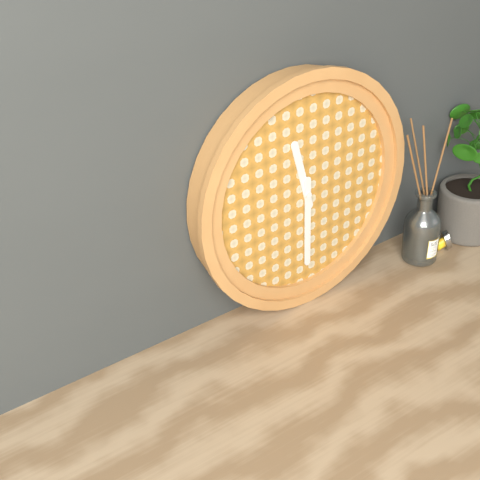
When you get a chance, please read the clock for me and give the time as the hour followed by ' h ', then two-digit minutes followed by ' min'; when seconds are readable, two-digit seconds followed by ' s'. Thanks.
11 h 30 min
